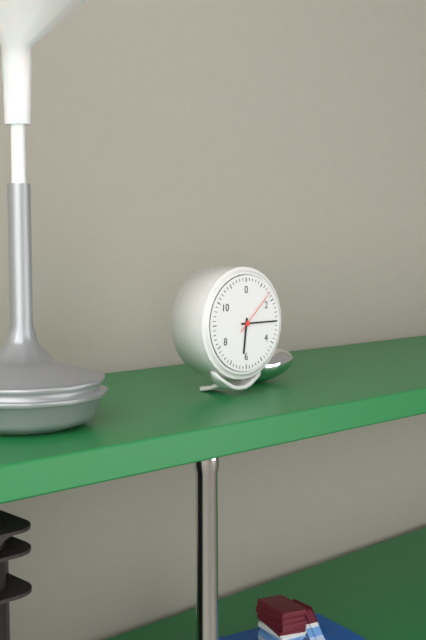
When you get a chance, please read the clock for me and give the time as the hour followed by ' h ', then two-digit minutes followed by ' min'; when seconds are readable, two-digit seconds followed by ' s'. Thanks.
6 h 15 min
